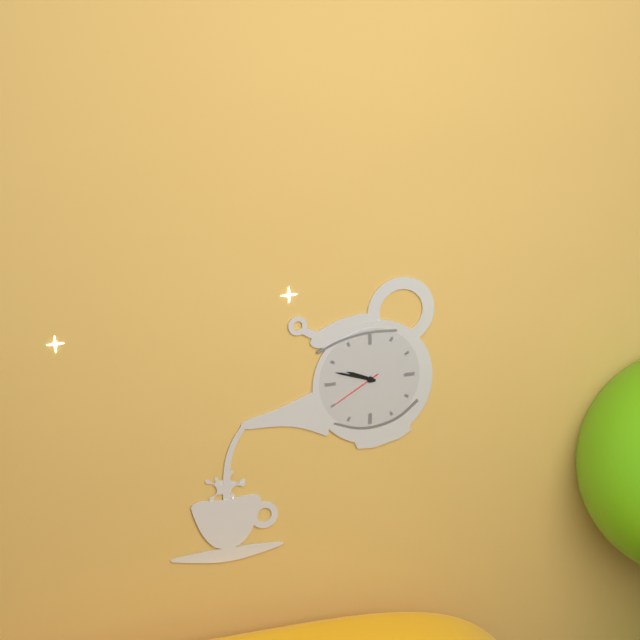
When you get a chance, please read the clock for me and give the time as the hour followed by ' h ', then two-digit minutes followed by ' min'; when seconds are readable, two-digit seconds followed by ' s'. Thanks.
9 h 48 min 40 s
